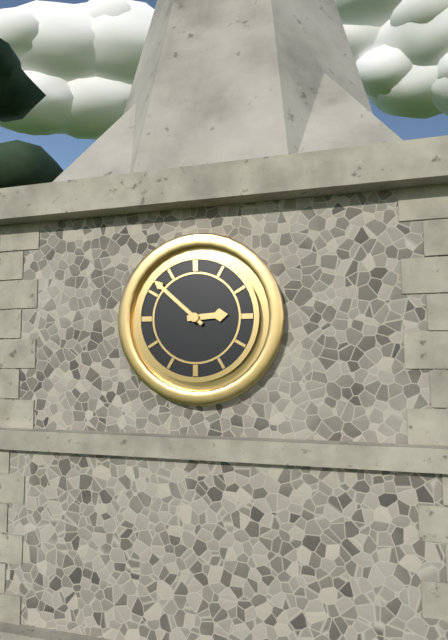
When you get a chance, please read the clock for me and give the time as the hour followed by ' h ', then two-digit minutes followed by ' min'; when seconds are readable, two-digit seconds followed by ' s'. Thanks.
2 h 52 min
